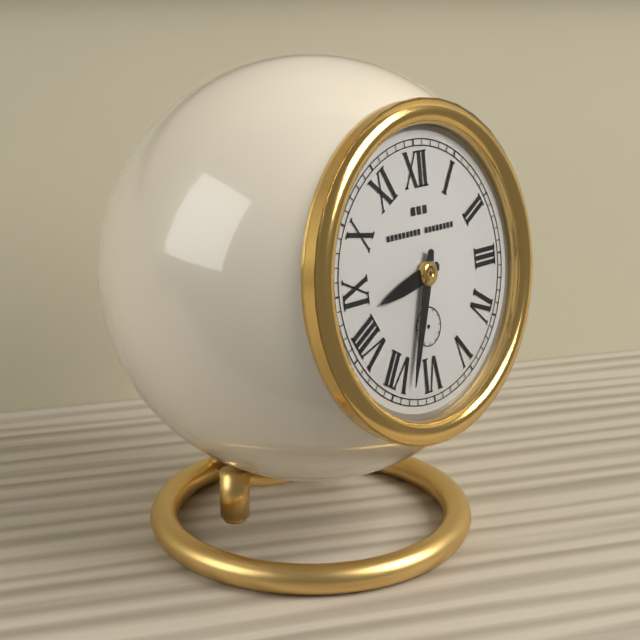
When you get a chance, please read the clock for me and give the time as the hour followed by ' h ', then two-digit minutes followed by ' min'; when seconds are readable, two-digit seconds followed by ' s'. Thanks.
8 h 33 min
